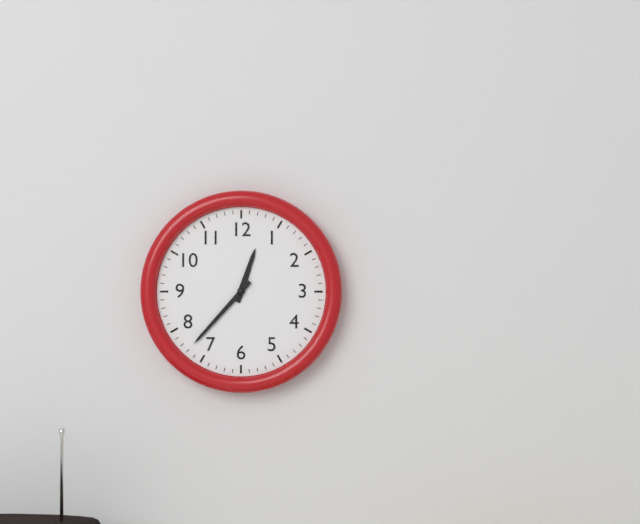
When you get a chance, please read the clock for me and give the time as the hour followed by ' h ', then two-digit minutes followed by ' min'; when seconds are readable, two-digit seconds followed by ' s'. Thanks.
12 h 37 min
